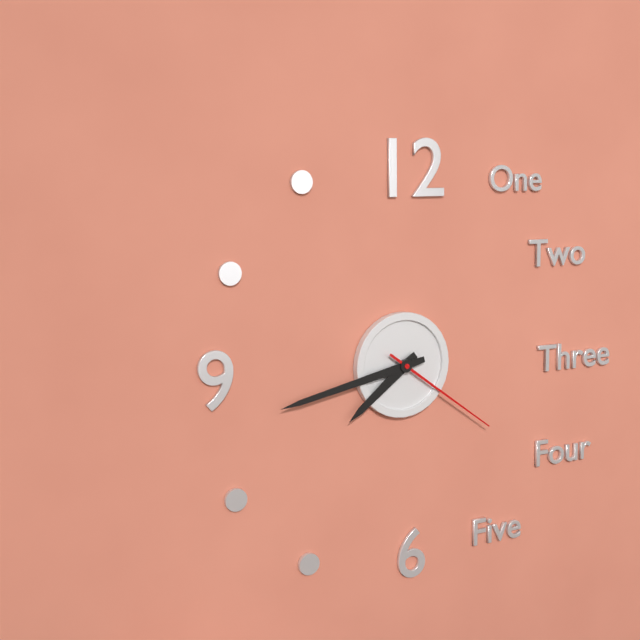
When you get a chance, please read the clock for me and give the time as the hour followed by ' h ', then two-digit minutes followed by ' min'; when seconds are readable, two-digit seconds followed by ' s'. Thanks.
7 h 43 min 21 s
